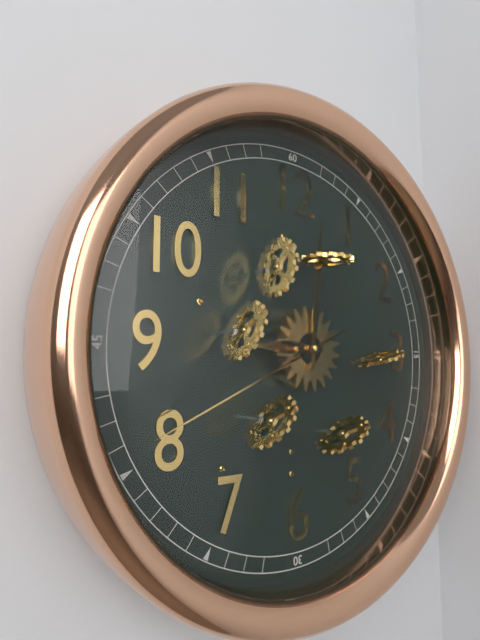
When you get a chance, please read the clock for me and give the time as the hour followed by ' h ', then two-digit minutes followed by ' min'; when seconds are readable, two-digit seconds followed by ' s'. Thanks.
9 h 01 min 41 s
